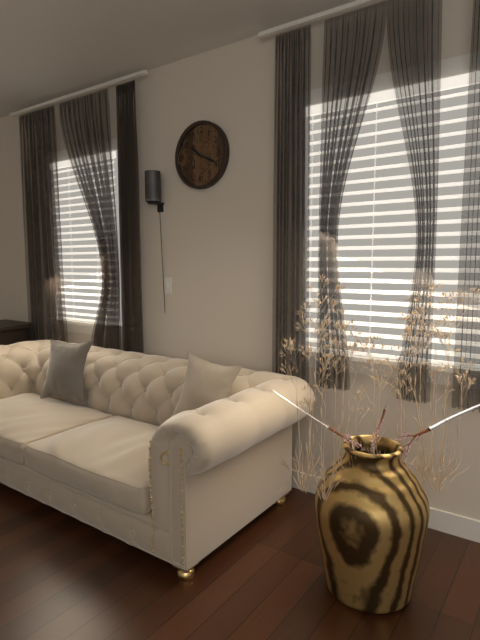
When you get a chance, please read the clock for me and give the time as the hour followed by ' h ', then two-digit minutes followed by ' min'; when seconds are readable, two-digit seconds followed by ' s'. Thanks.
10 h 19 min
